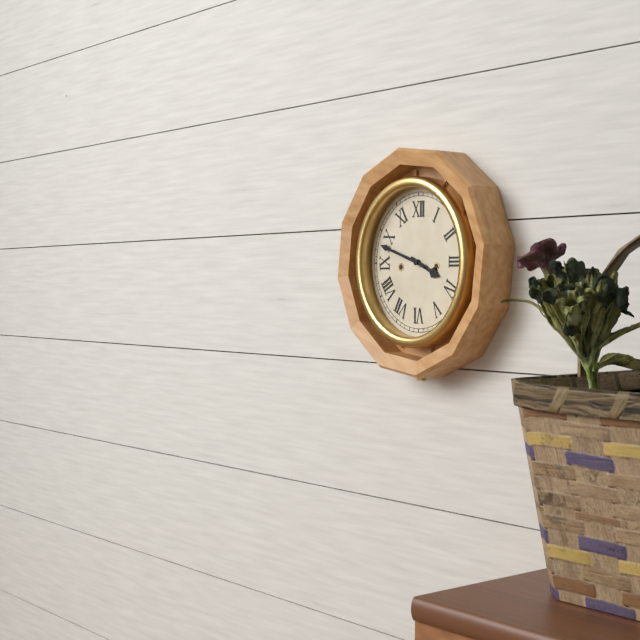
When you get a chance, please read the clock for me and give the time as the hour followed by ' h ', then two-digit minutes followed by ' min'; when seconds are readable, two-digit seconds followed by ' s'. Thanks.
3 h 48 min
